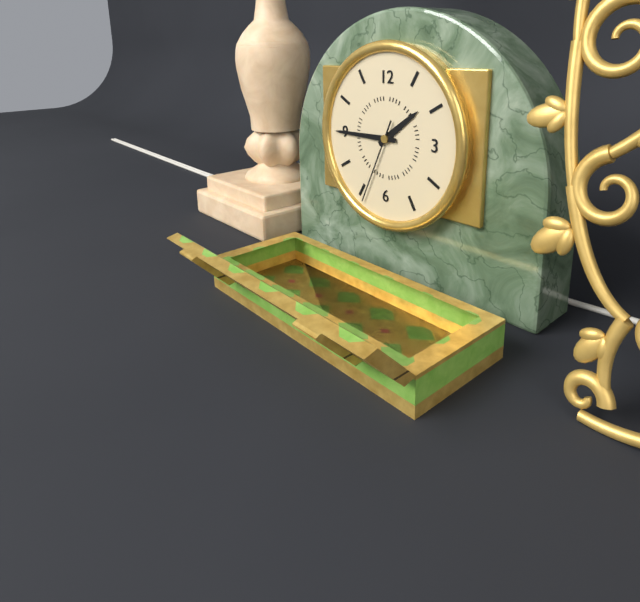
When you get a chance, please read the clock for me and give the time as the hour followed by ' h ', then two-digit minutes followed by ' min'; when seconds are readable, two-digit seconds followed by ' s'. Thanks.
1 h 45 min 34 s
